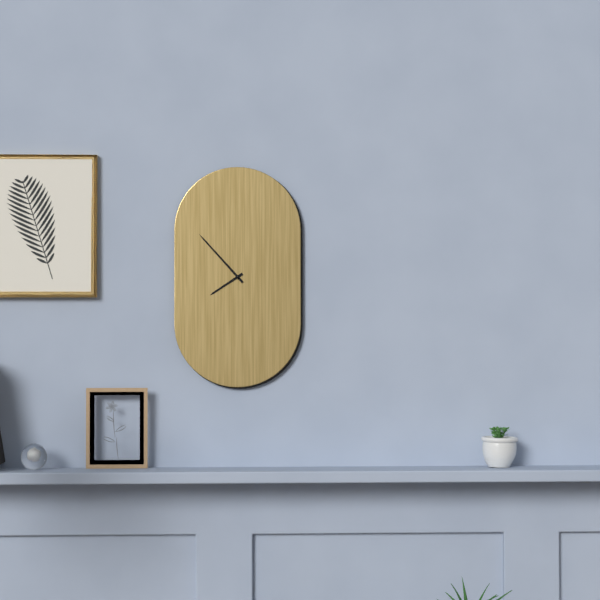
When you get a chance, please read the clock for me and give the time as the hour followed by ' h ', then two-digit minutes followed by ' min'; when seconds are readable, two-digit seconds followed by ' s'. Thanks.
7 h 53 min
